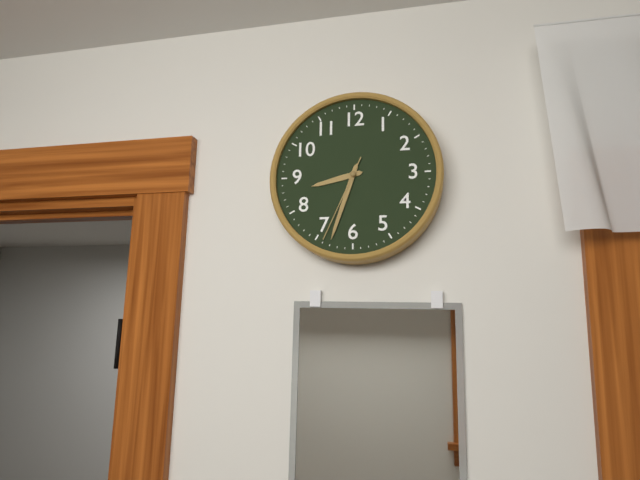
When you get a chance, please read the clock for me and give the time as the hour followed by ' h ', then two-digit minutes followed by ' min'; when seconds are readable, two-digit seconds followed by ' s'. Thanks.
8 h 33 min 34 s
